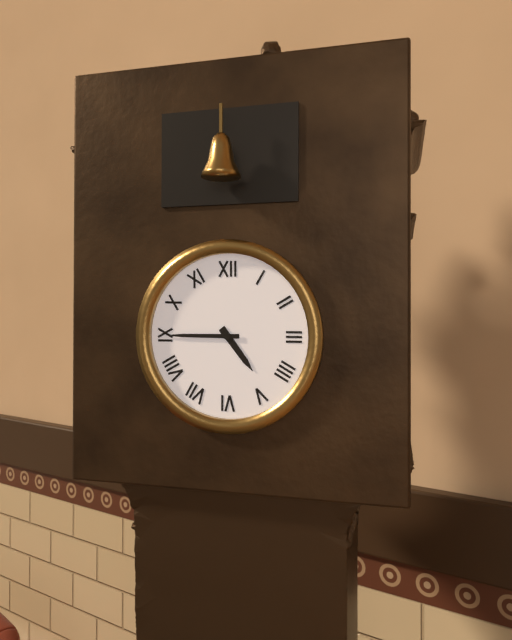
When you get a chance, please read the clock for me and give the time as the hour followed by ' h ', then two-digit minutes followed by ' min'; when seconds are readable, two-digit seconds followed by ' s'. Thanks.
4 h 45 min
